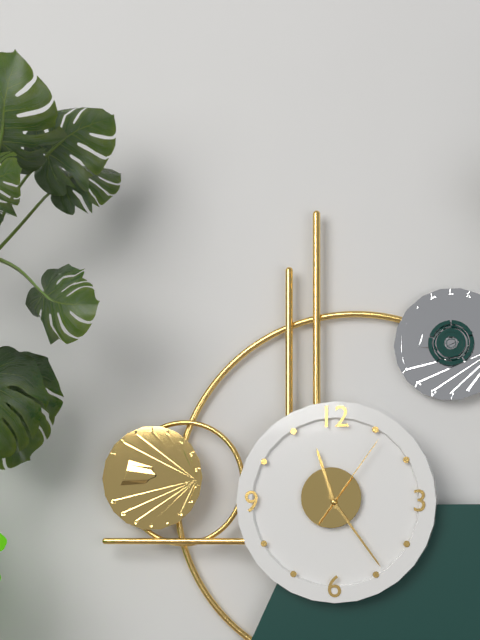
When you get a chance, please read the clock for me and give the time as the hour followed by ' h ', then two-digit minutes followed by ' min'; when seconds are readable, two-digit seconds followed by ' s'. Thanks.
11 h 24 min 06 s
